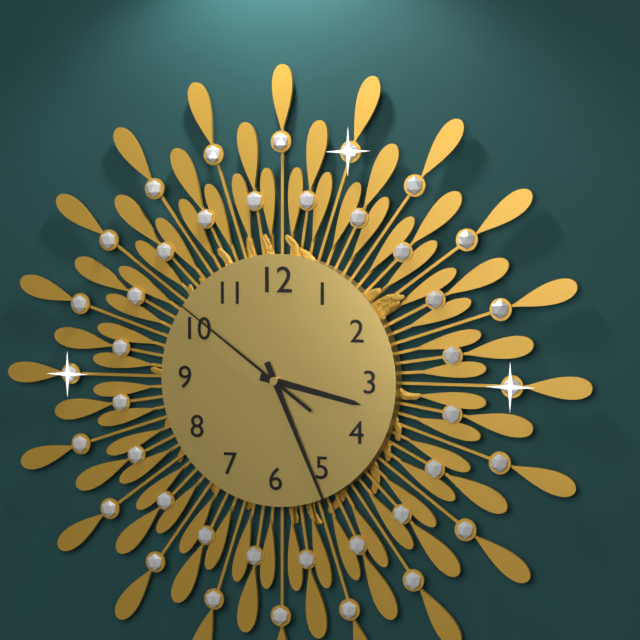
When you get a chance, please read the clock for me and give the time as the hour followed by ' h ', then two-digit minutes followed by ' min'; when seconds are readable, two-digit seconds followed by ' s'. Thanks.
3 h 26 min 51 s
